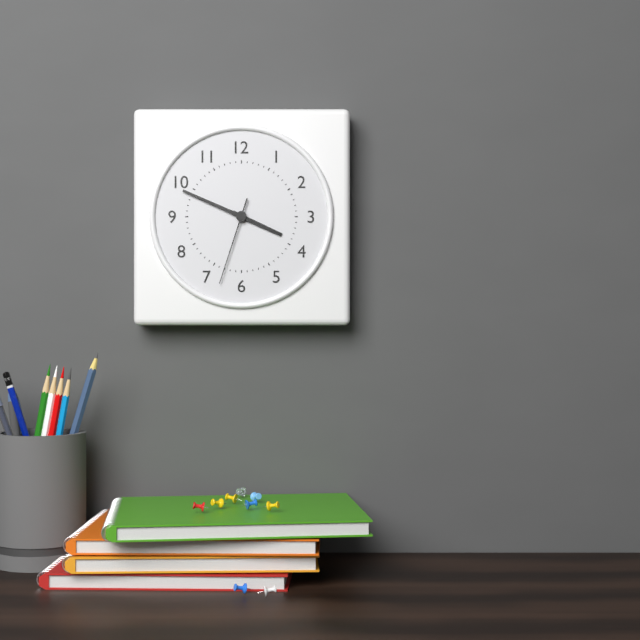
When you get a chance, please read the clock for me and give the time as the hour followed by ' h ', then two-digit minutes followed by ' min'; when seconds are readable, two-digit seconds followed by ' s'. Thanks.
3 h 49 min 33 s
